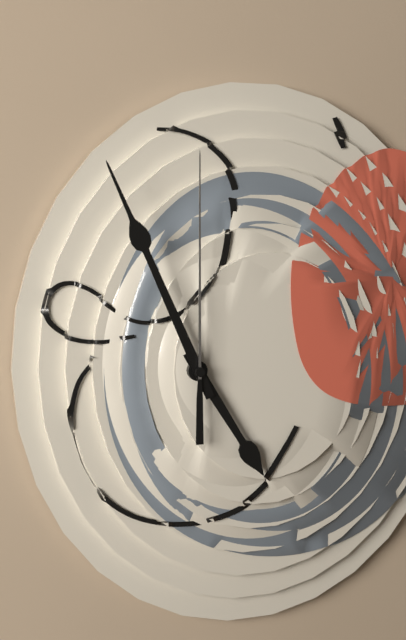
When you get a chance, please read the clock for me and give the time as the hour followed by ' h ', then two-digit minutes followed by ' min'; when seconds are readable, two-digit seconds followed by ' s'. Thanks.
4 h 56 min 00 s
